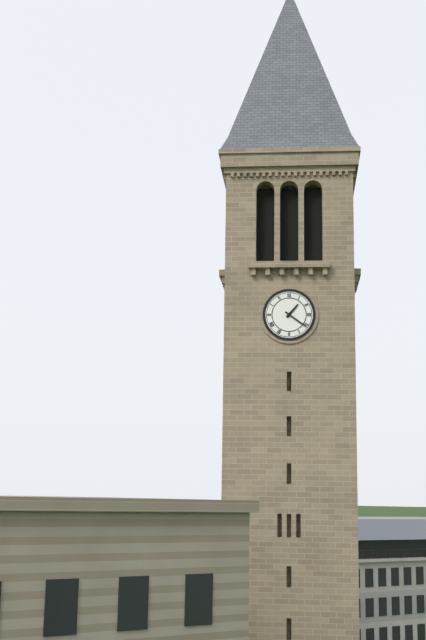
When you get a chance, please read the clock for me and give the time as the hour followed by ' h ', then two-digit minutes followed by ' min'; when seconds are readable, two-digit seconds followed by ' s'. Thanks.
1 h 21 min
